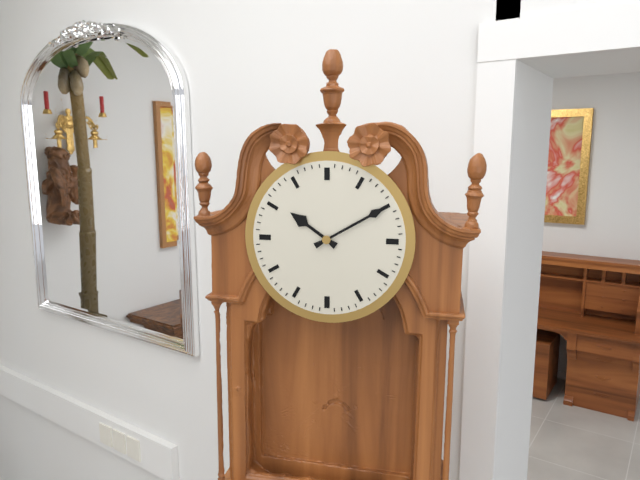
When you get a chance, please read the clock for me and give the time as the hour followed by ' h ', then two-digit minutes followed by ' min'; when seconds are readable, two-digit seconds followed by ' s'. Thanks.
10 h 10 min
